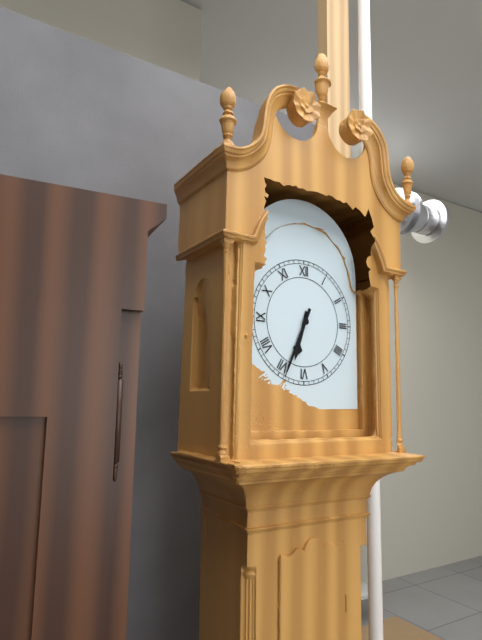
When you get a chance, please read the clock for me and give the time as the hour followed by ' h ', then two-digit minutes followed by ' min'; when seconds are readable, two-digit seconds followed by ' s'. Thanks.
6 h 34 min
